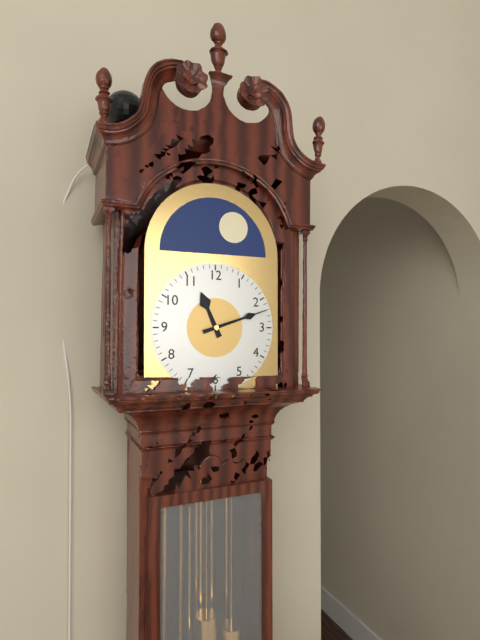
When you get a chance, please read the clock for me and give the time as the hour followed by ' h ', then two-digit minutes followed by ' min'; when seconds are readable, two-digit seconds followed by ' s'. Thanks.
11 h 12 min
